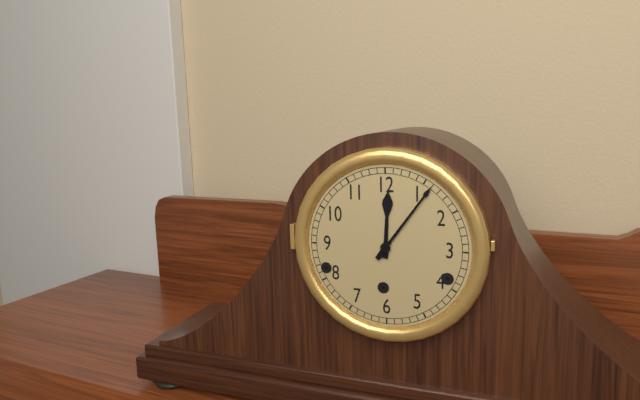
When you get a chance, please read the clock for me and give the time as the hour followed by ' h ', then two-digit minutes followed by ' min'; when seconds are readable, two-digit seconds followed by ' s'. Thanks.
12 h 06 min
